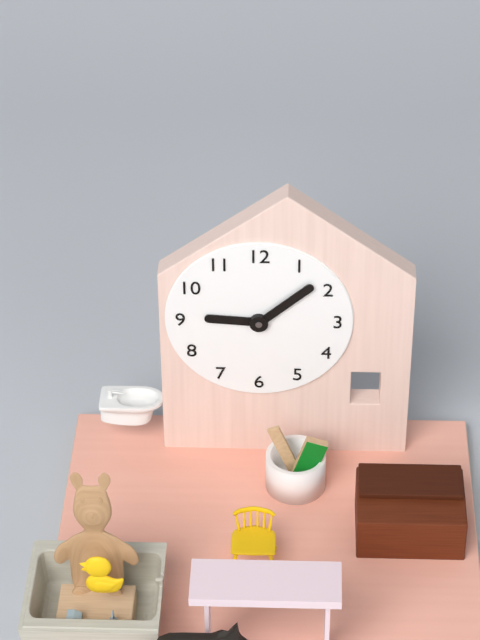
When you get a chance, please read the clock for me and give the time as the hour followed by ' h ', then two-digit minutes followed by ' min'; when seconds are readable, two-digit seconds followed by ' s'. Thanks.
9 h 08 min
